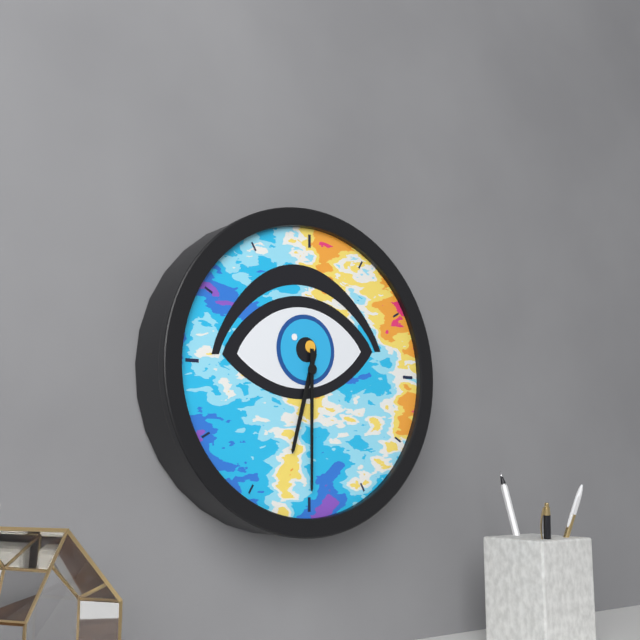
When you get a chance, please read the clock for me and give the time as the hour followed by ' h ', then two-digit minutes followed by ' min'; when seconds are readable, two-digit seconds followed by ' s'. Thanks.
6 h 30 min
